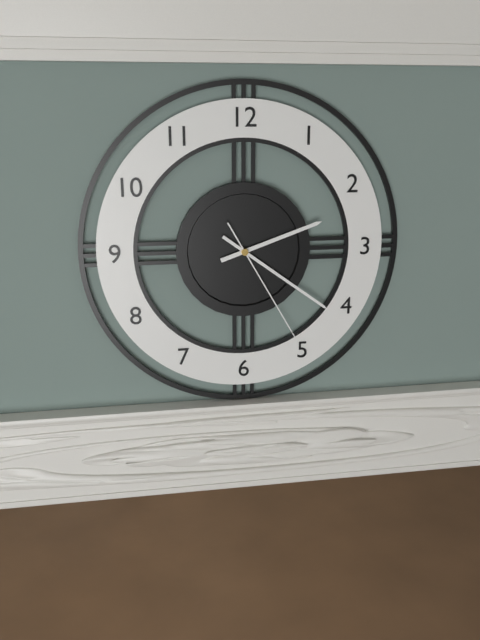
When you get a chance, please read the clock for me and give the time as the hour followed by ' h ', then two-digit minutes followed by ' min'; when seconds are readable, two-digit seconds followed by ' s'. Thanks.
2 h 21 min 25 s
